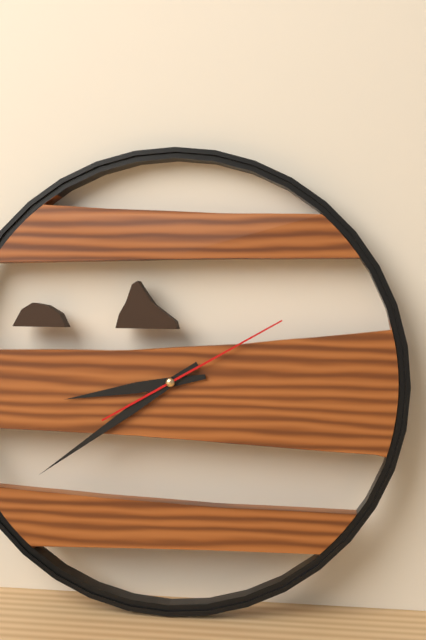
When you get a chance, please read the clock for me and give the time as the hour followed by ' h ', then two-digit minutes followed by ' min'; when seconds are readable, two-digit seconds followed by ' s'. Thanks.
8 h 39 min 10 s
